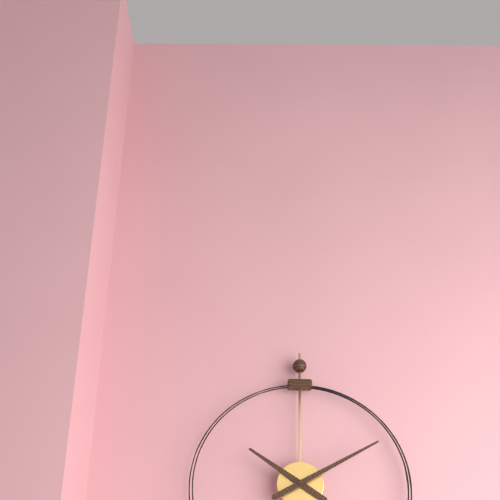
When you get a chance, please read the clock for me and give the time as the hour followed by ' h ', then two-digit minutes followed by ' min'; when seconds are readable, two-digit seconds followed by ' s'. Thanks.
10 h 10 min
